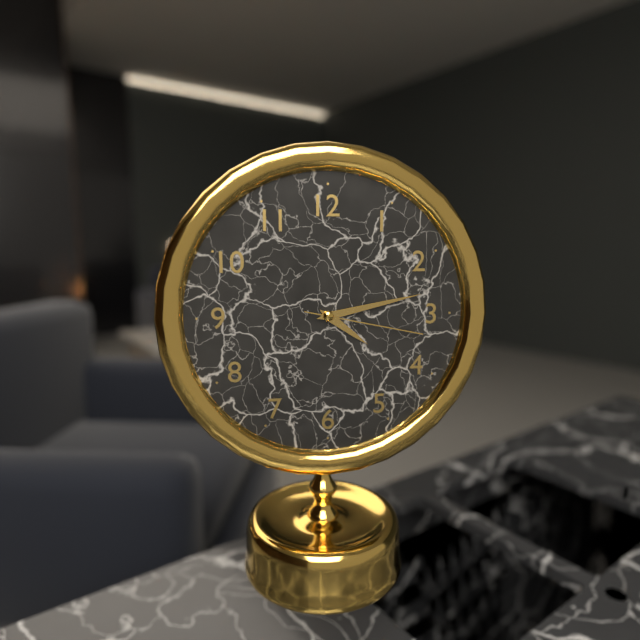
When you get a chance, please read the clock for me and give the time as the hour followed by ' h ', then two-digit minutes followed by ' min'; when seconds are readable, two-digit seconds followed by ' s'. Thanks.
4 h 13 min 17 s
